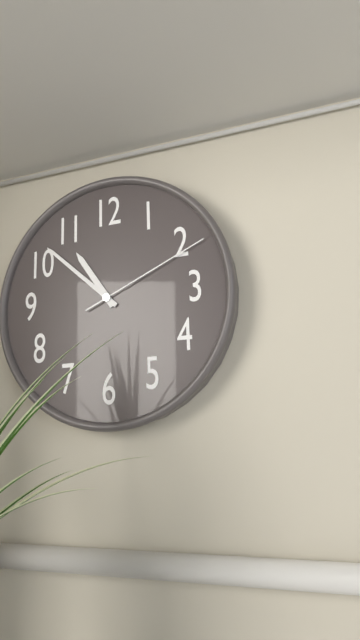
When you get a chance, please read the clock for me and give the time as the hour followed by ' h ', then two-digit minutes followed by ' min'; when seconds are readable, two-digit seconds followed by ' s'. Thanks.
10 h 52 min 11 s
